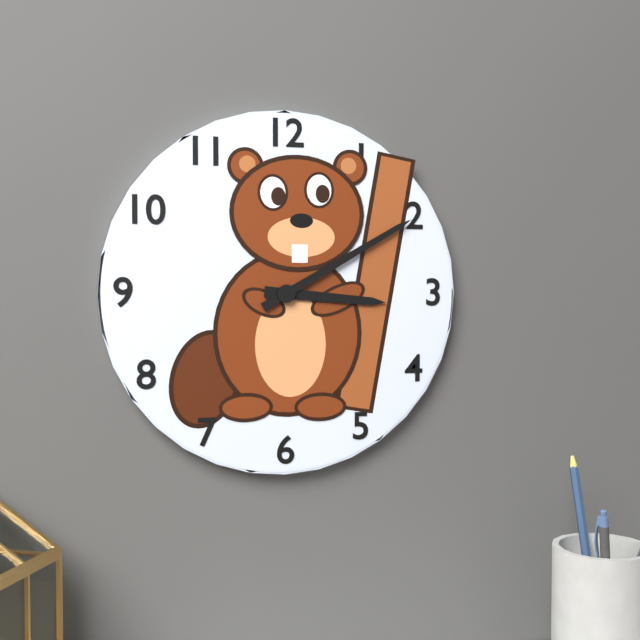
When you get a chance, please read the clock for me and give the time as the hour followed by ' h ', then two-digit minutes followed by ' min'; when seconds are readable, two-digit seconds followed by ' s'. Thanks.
3 h 10 min
